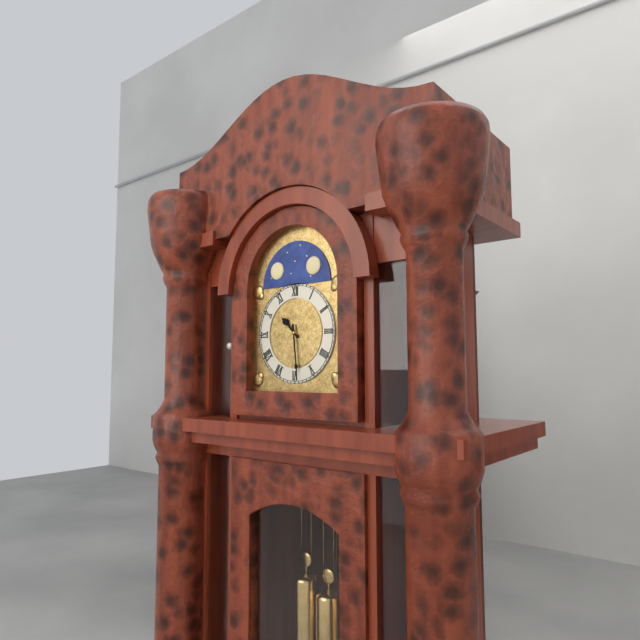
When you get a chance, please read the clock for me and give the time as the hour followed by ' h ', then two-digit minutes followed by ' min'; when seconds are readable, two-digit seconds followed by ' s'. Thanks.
10 h 29 min
